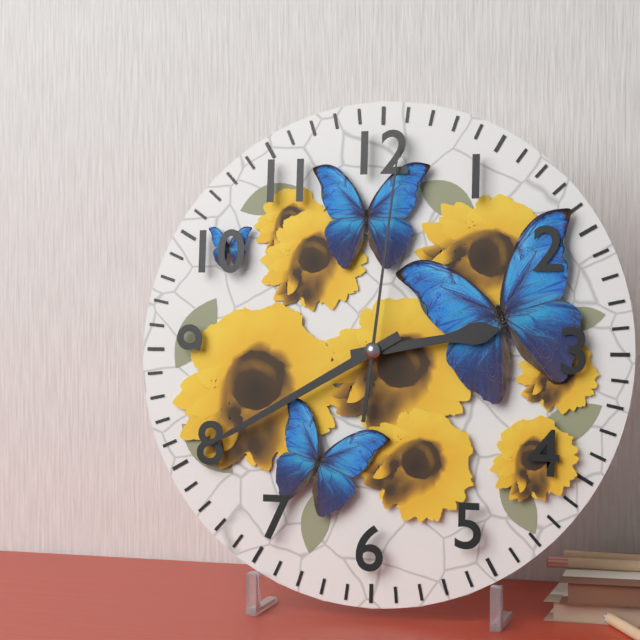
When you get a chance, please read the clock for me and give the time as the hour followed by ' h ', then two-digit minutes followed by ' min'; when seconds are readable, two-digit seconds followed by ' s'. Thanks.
2 h 40 min 01 s
